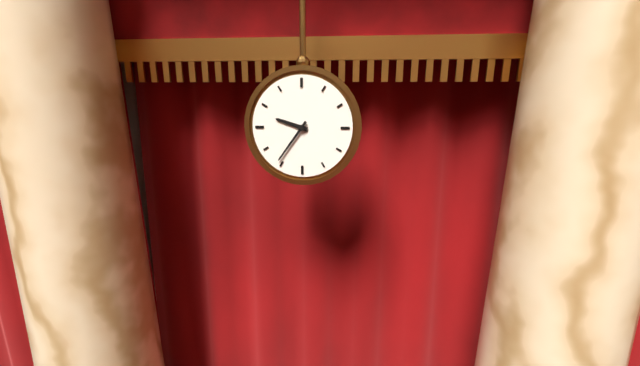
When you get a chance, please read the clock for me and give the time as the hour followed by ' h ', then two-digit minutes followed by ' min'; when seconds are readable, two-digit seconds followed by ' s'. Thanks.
9 h 36 min
